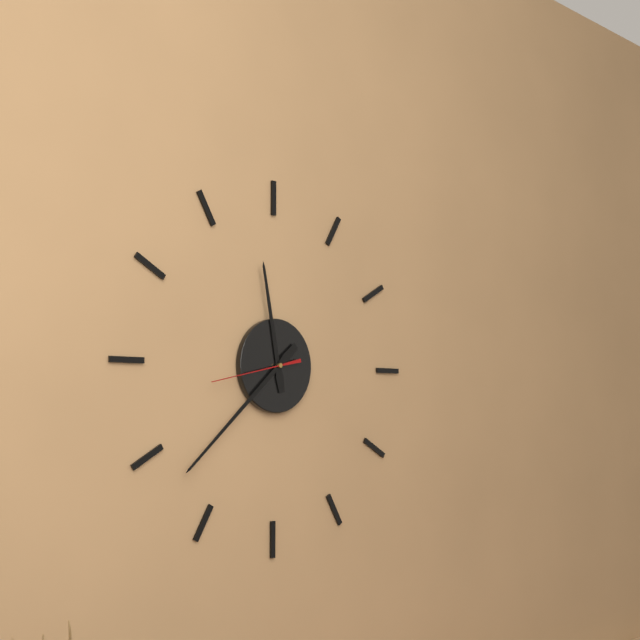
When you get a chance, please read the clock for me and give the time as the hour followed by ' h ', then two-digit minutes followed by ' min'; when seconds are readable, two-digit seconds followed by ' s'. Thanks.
11 h 38 min 43 s
